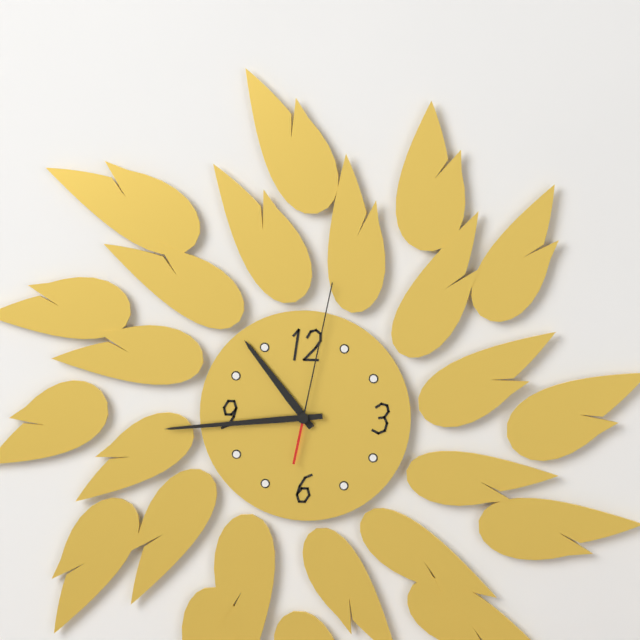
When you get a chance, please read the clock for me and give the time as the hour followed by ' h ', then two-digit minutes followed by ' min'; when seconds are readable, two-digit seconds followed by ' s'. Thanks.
10 h 44 min 02 s
